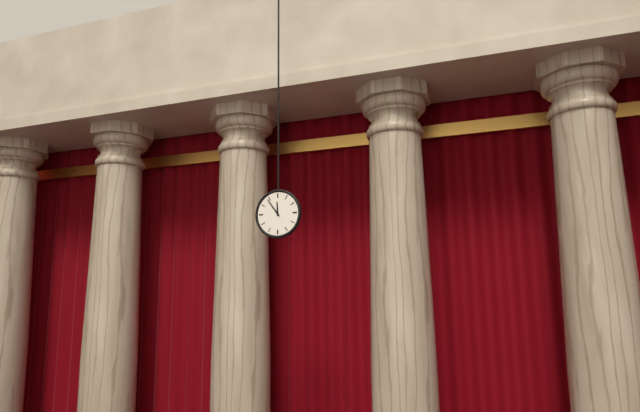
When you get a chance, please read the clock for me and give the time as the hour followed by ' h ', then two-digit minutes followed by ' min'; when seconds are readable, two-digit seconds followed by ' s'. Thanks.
11 h 54 min
